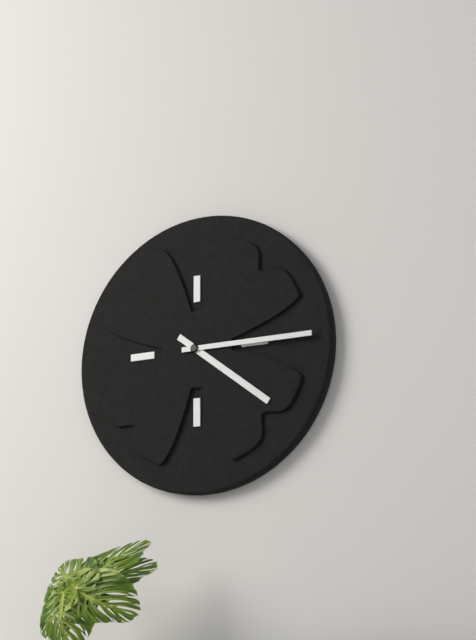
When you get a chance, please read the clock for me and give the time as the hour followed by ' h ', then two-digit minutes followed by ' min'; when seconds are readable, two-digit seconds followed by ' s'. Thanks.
4 h 15 min
